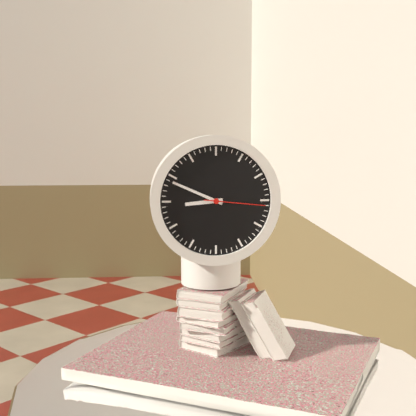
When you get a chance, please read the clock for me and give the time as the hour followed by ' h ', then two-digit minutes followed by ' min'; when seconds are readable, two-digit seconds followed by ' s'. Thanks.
8 h 49 min 16 s
